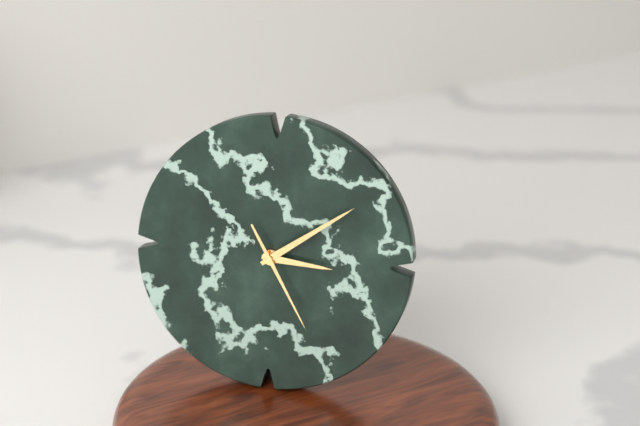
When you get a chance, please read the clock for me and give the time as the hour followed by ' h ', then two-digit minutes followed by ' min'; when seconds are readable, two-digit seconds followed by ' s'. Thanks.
3 h 09 min 25 s
